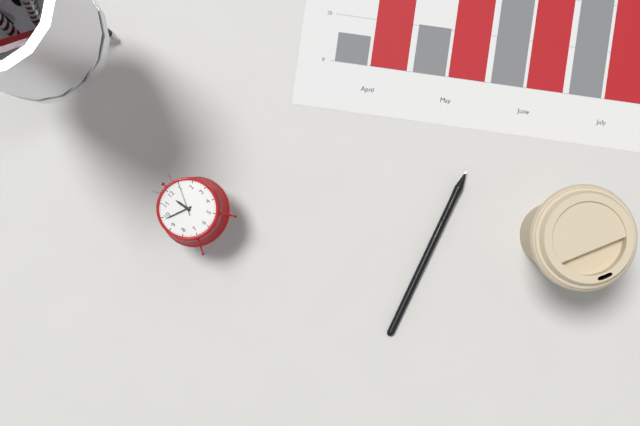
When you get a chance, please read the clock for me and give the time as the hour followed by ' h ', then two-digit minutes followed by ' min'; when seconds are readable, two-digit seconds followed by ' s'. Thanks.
11 h 49 min
